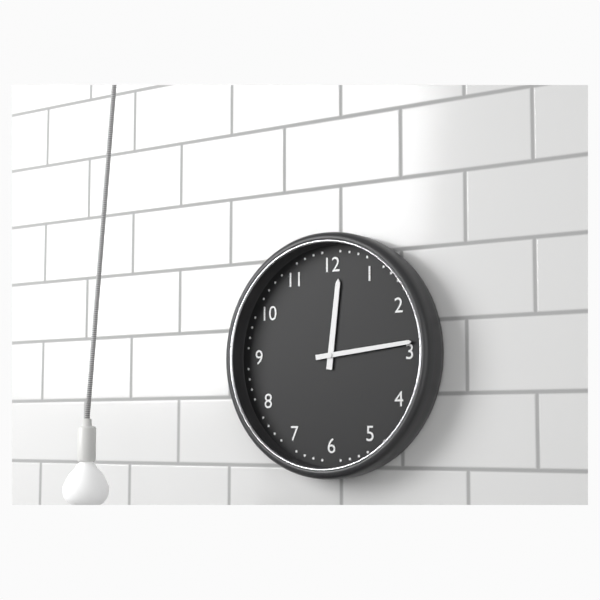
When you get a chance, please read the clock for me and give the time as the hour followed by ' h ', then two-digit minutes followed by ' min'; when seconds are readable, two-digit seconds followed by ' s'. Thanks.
12 h 14 min
